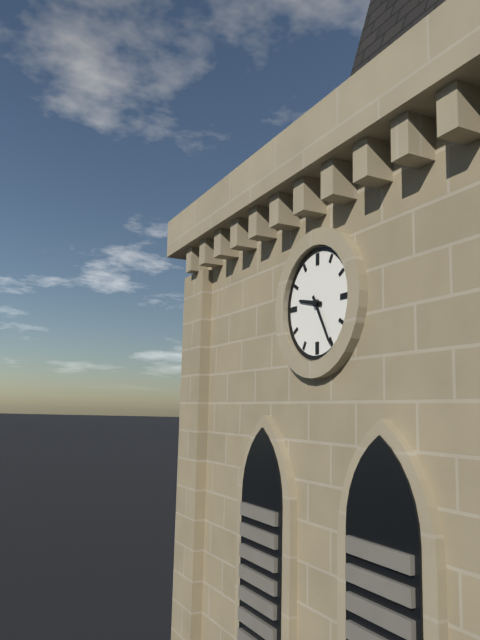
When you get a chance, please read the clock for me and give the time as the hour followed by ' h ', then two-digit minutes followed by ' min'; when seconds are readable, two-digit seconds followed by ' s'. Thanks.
9 h 25 min
